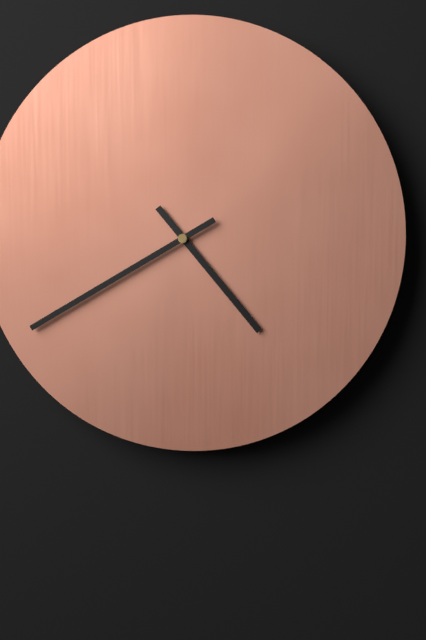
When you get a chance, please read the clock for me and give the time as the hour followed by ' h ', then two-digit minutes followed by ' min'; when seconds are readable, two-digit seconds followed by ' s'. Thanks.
4 h 40 min
